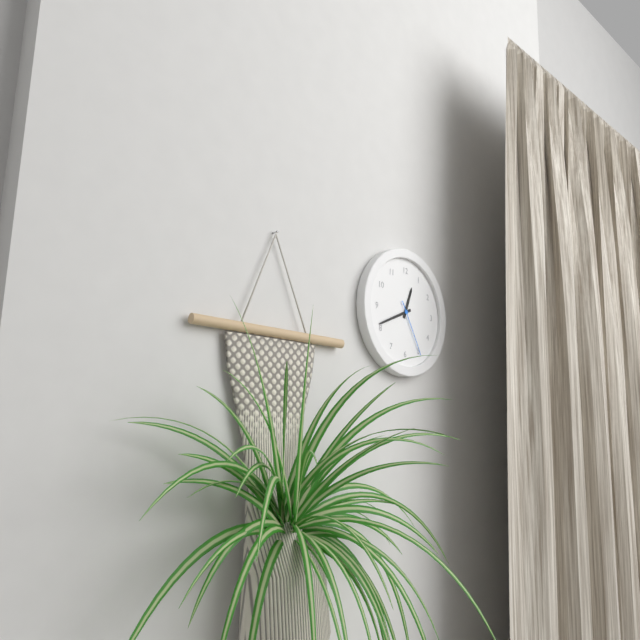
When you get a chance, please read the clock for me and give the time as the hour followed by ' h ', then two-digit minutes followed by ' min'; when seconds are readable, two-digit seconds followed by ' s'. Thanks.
12 h 41 min 25 s
